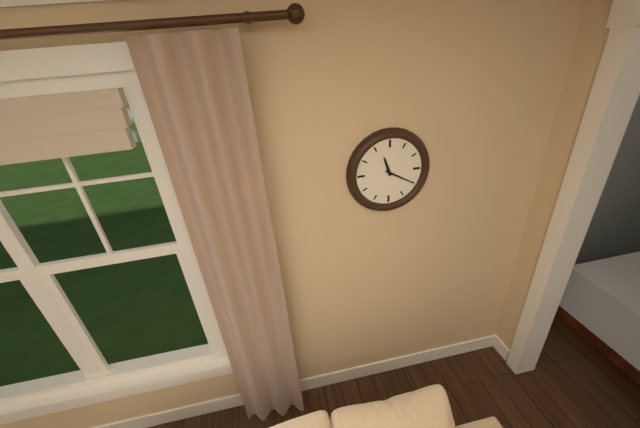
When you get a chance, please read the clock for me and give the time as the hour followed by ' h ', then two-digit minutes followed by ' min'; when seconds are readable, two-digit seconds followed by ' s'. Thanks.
11 h 20 min
